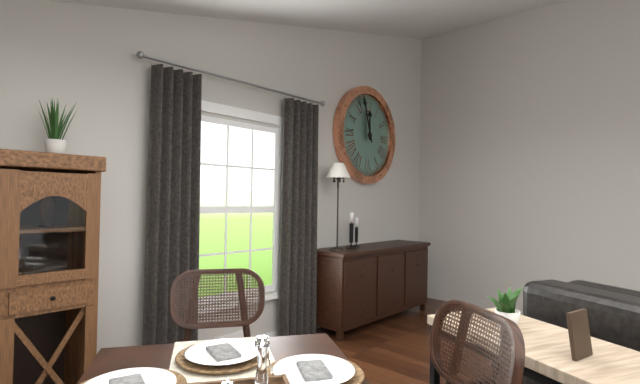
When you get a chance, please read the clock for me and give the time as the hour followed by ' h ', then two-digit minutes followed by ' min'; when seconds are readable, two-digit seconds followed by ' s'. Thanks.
11 h 57 min
